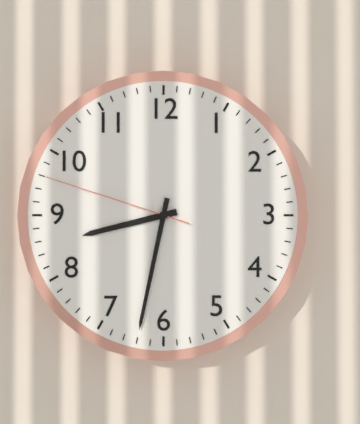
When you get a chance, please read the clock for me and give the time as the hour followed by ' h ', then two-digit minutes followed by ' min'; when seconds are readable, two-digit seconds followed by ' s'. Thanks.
8 h 32 min 48 s
